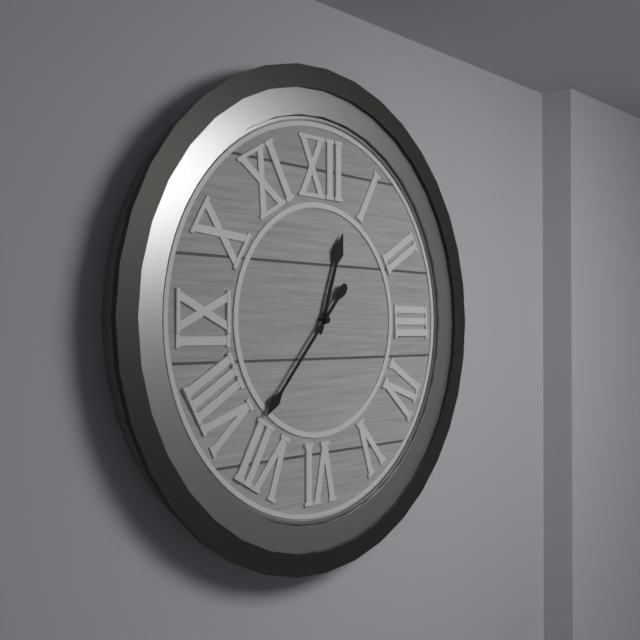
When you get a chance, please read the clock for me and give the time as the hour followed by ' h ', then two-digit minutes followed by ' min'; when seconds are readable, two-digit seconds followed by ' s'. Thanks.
12 h 37 min
